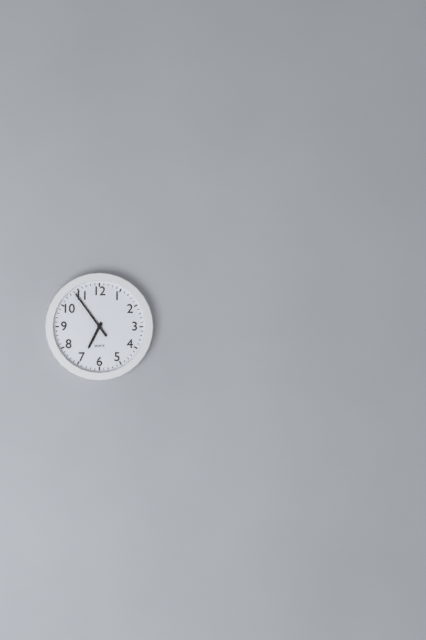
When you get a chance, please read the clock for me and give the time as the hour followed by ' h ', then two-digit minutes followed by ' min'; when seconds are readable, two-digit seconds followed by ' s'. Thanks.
6 h 54 min
